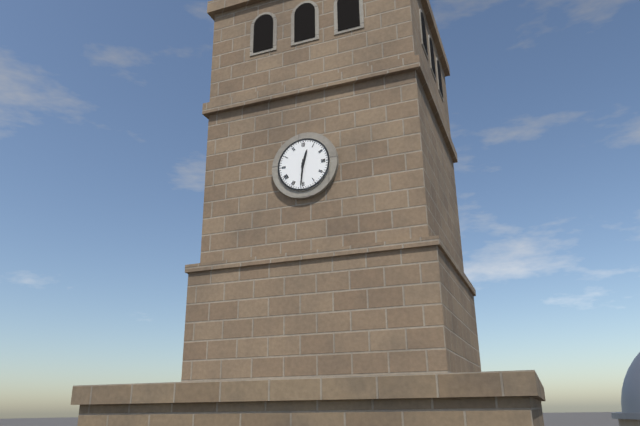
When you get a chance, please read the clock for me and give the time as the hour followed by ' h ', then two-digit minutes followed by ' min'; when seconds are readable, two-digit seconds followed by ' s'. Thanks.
12 h 31 min
